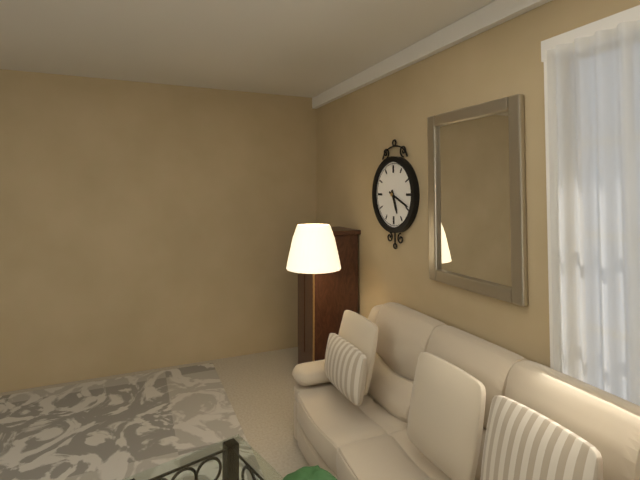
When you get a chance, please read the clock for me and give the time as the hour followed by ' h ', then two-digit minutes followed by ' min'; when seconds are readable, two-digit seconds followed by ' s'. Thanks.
5 h 19 min
